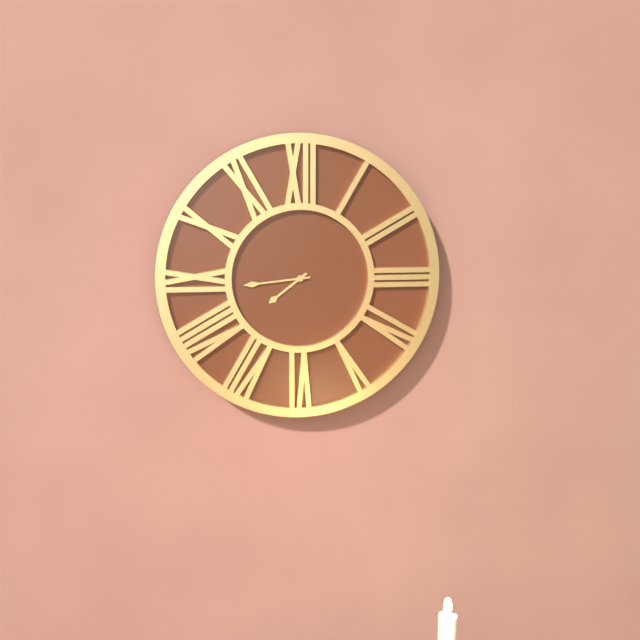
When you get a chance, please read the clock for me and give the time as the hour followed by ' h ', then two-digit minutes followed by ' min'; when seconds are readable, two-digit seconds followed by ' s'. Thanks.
7 h 44 min
